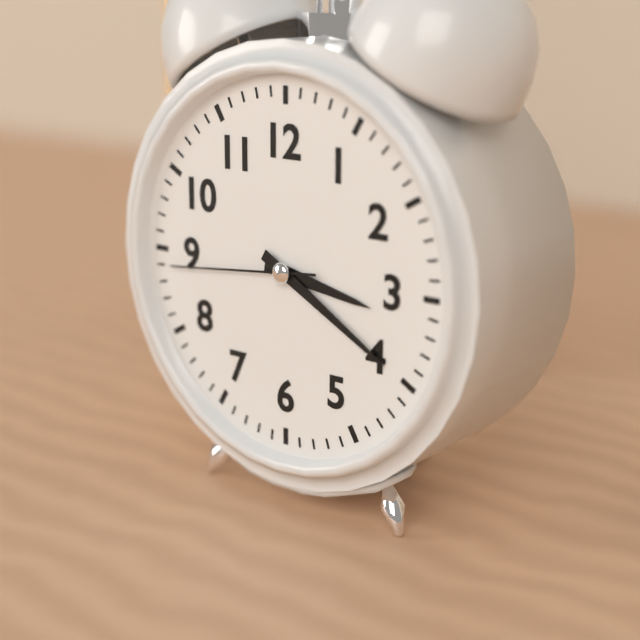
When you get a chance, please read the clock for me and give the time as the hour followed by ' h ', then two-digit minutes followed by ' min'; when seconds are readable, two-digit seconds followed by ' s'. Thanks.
3 h 20 min 44 s
